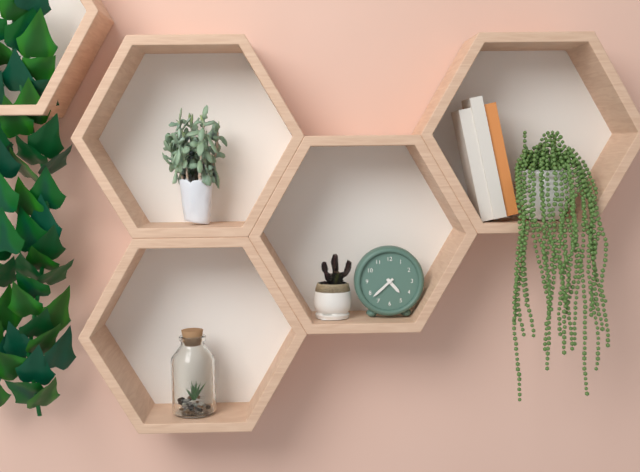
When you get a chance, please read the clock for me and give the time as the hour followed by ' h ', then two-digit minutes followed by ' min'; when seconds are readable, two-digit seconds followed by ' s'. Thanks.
4 h 38 min
